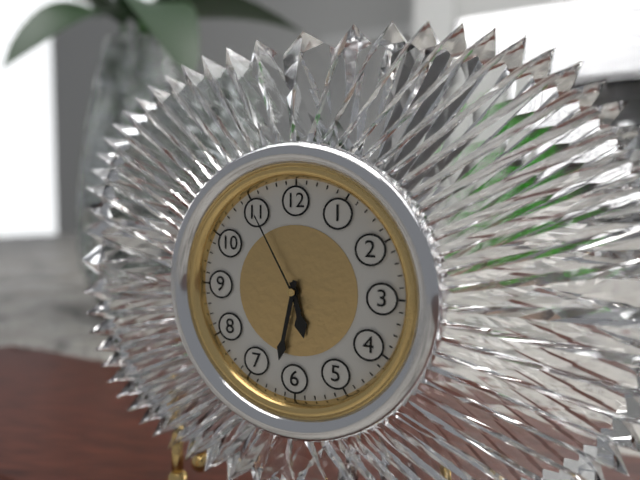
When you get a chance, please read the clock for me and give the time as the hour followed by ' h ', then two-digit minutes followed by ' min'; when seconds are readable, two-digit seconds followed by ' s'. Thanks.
5 h 32 min 55 s
